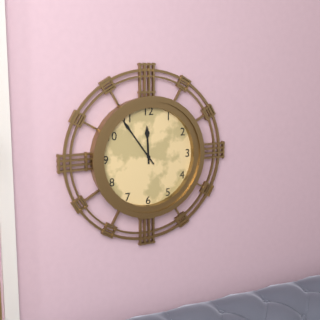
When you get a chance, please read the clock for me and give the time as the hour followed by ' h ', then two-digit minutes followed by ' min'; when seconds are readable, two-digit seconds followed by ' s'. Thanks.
11 h 54 min
